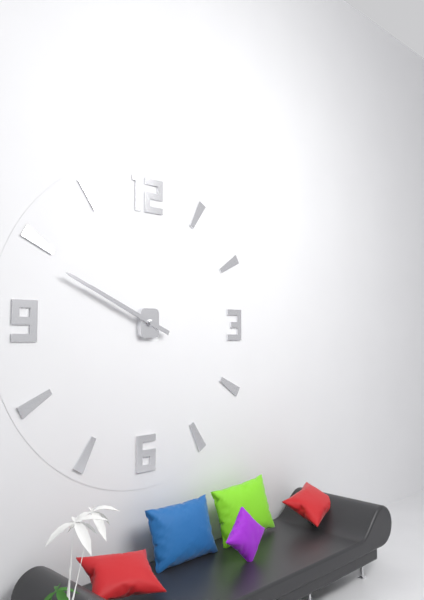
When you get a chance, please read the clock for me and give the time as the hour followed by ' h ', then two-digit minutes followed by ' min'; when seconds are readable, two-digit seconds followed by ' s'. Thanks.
9 h 49 min
